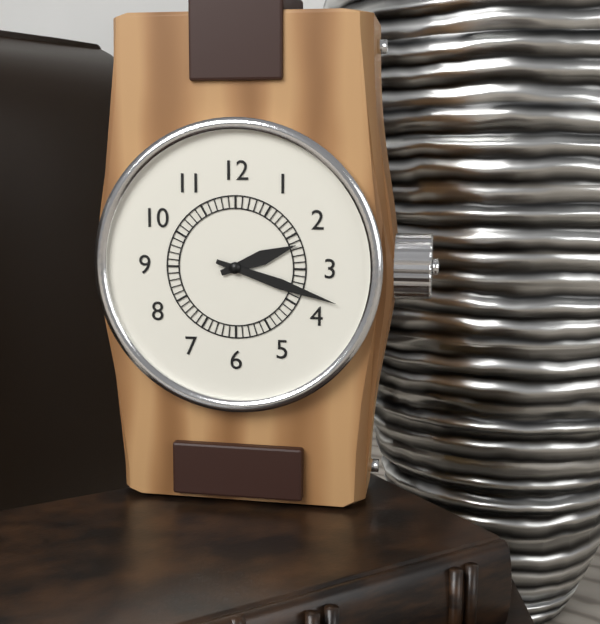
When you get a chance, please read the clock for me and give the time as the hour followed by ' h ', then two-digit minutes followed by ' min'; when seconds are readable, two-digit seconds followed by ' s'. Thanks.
2 h 18 min
